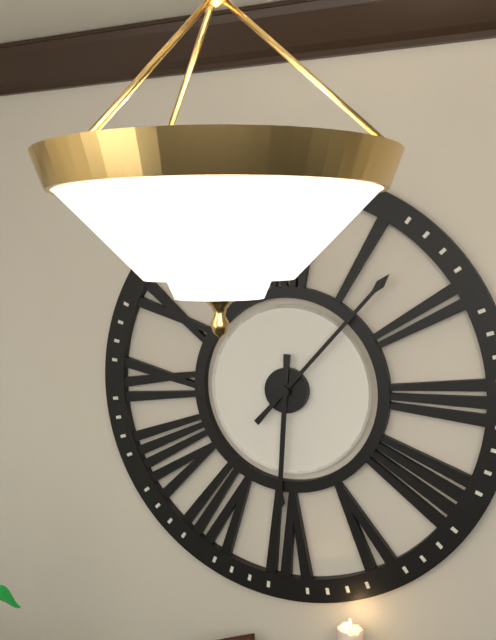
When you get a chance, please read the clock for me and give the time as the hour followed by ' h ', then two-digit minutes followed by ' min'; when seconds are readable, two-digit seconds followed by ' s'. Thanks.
6 h 07 min
